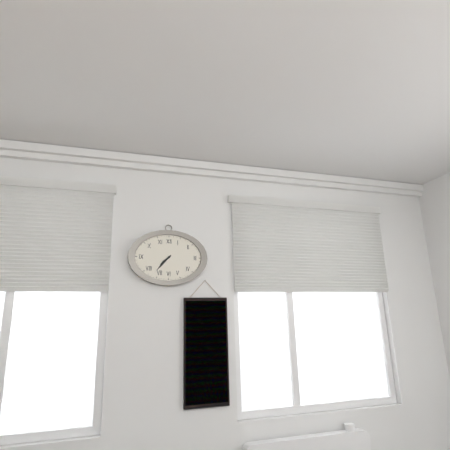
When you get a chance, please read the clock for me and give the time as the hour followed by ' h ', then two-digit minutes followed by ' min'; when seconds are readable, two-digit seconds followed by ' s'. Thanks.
7 h 37 min
